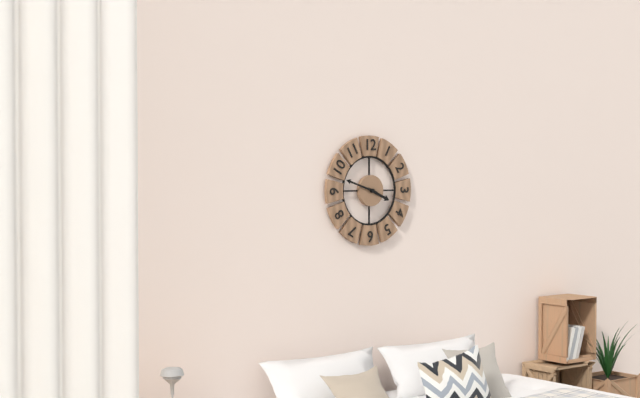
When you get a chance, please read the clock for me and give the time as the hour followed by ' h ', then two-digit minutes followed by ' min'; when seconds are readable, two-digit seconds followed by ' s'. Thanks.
3 h 48 min
